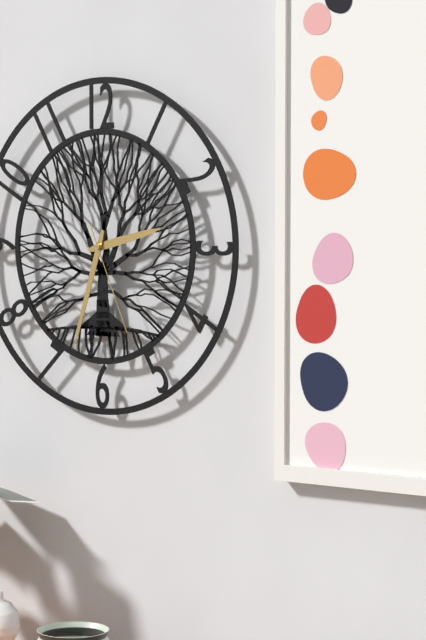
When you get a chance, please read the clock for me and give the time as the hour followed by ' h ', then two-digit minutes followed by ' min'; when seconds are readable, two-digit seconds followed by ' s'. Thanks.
2 h 33 min 26 s
